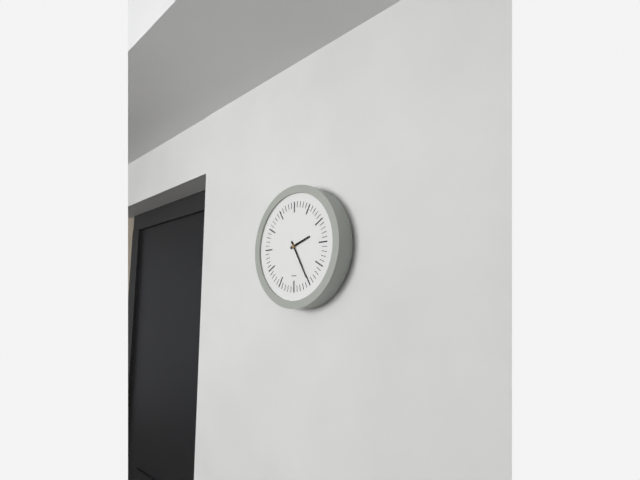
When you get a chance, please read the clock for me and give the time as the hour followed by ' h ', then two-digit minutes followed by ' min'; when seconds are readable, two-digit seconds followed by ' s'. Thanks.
2 h 25 min
